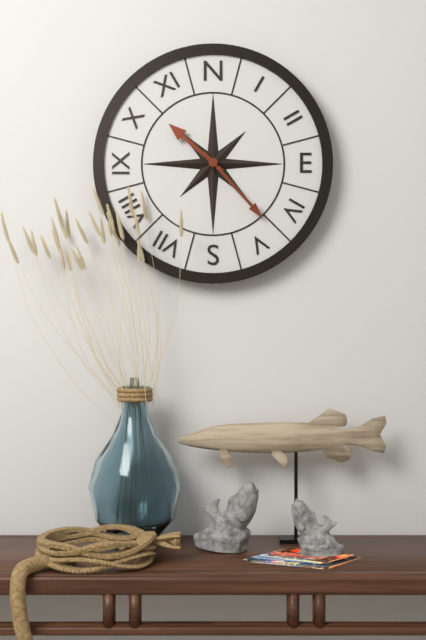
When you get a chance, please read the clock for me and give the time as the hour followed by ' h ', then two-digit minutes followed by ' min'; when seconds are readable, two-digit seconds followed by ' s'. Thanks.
10 h 23 min
